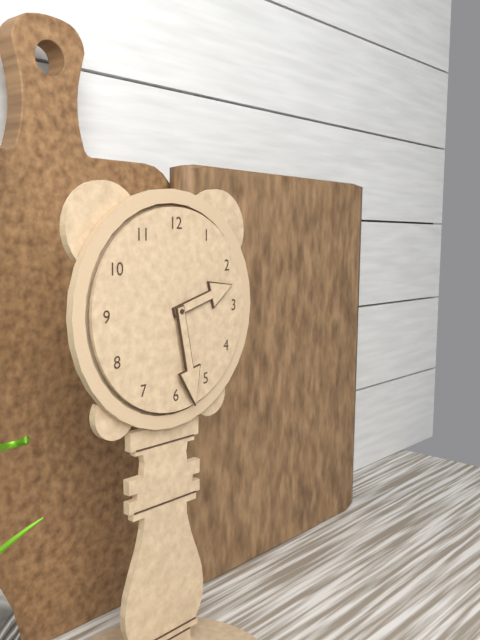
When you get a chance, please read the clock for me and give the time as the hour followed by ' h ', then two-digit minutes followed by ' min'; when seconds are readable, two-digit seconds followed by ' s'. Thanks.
2 h 28 min
